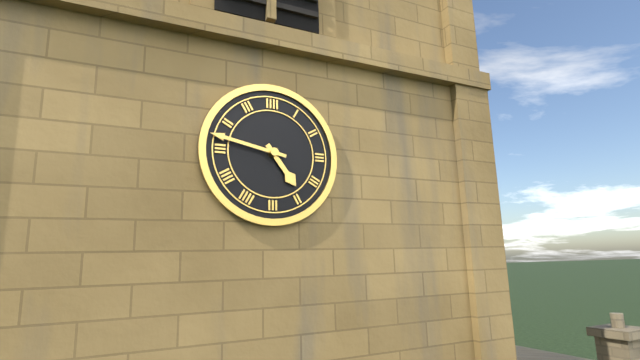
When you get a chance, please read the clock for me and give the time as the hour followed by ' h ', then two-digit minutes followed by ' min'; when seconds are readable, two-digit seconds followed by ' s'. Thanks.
4 h 47 min
